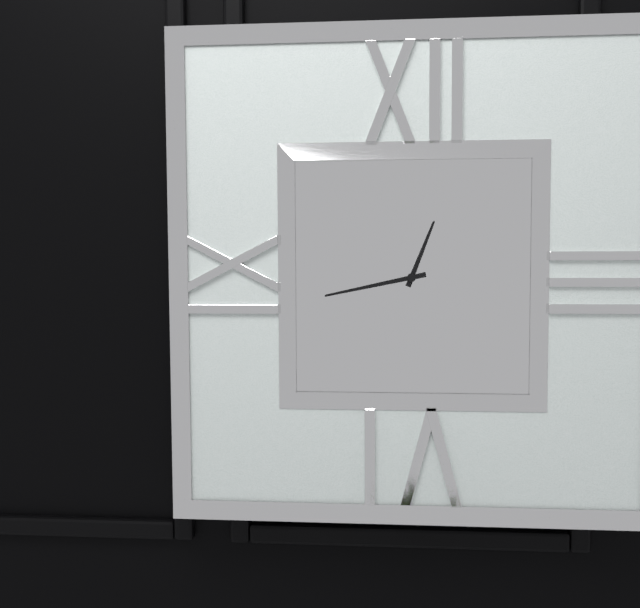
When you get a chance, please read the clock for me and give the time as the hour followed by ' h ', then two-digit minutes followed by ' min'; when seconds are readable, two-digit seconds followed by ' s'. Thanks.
12 h 43 min
